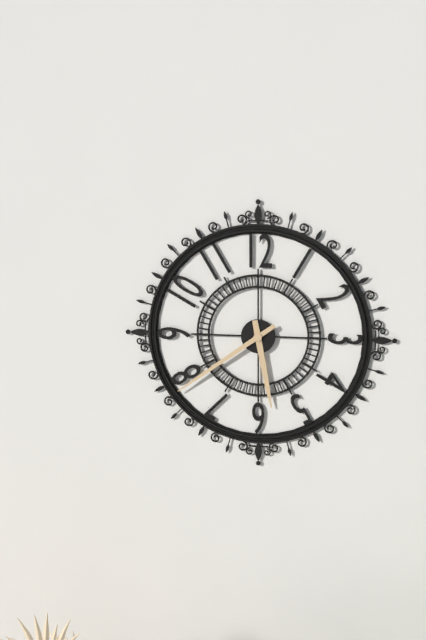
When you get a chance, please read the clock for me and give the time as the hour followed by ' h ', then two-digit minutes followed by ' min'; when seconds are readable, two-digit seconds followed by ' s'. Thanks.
5 h 39 min
